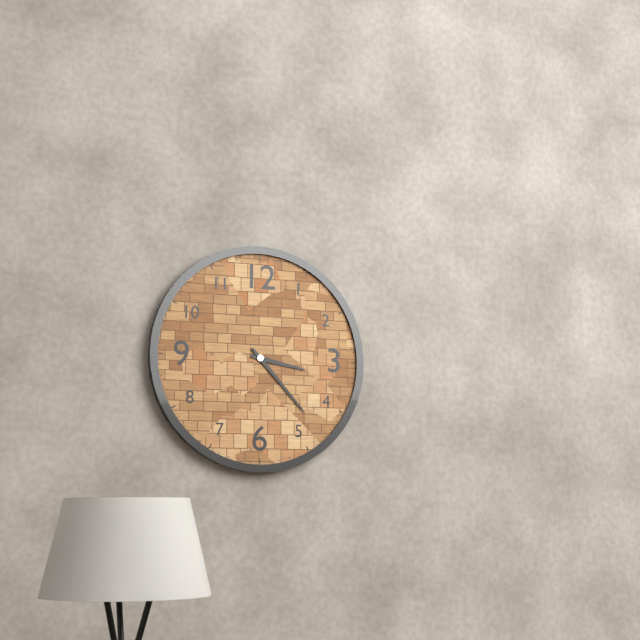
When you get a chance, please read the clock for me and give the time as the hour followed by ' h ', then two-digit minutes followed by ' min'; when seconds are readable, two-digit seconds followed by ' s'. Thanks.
3 h 23 min
